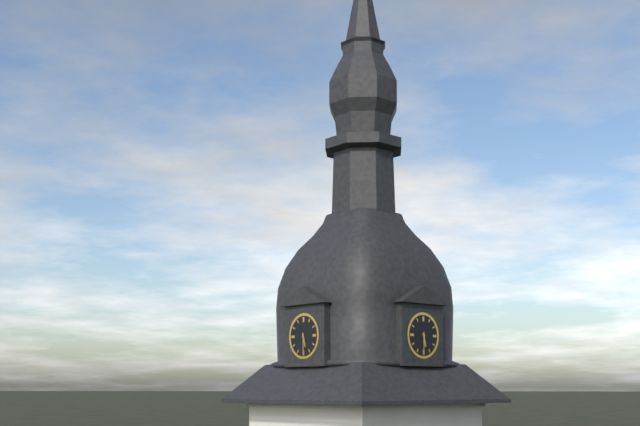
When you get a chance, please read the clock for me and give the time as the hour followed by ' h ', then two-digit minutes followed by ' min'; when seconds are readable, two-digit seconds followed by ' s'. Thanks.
5 h 30 min
